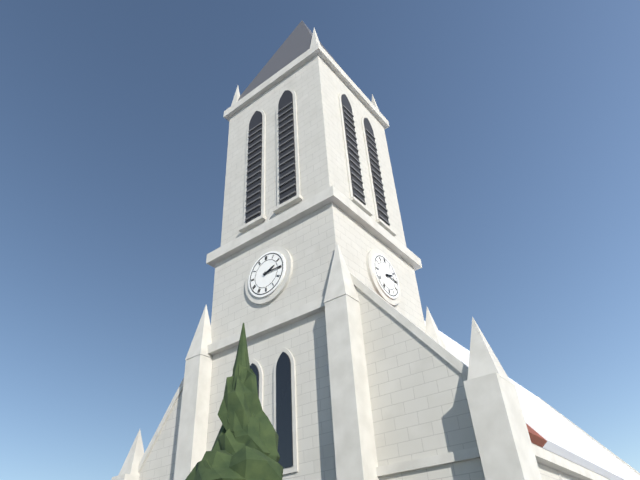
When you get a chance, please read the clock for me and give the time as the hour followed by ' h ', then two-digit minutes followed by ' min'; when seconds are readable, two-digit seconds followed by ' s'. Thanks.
2 h 15 min
